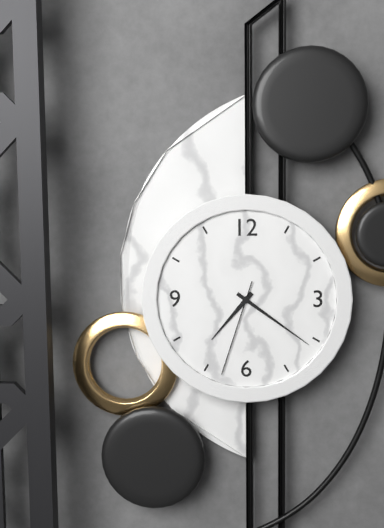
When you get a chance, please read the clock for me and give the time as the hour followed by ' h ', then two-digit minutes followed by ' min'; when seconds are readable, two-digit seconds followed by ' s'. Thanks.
7 h 21 min 33 s
